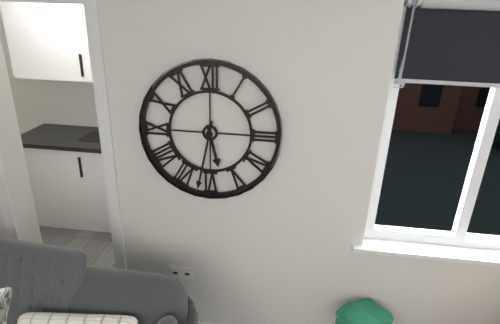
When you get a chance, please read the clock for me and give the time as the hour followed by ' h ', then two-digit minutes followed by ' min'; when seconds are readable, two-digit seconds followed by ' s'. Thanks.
5 h 32 min
